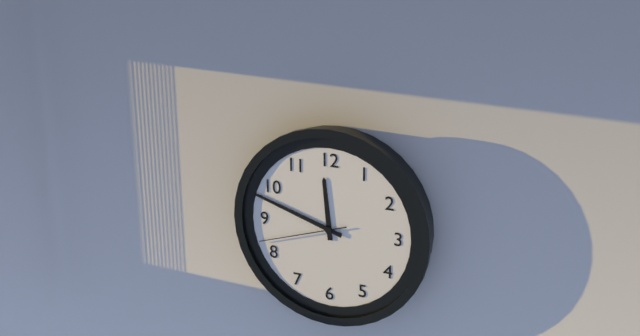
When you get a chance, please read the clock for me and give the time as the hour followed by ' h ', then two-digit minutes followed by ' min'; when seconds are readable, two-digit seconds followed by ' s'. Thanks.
11 h 48 min 42 s
